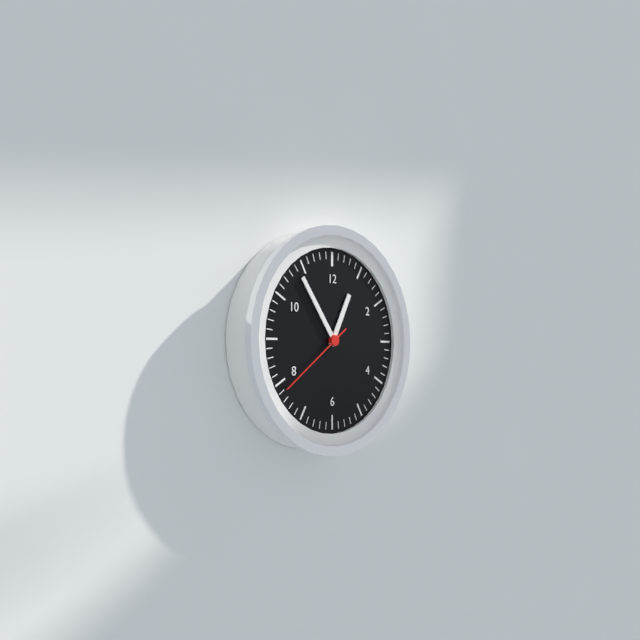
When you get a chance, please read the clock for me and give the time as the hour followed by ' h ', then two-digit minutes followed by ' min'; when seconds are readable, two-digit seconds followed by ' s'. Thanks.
12 h 54 min 39 s
